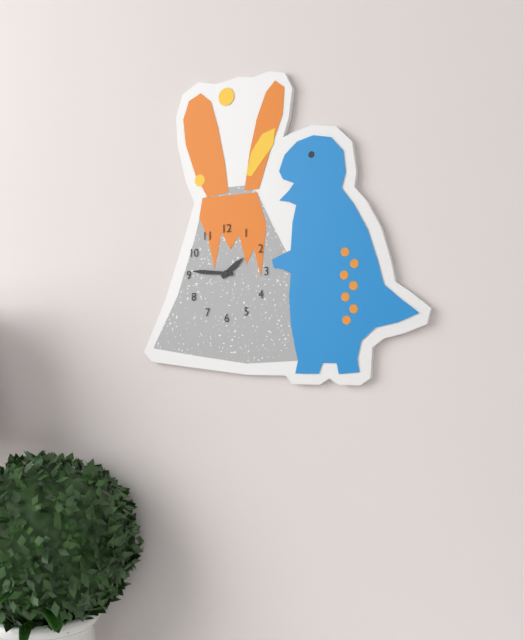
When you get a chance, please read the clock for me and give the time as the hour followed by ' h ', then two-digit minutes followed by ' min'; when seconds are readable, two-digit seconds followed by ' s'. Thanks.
1 h 46 min
